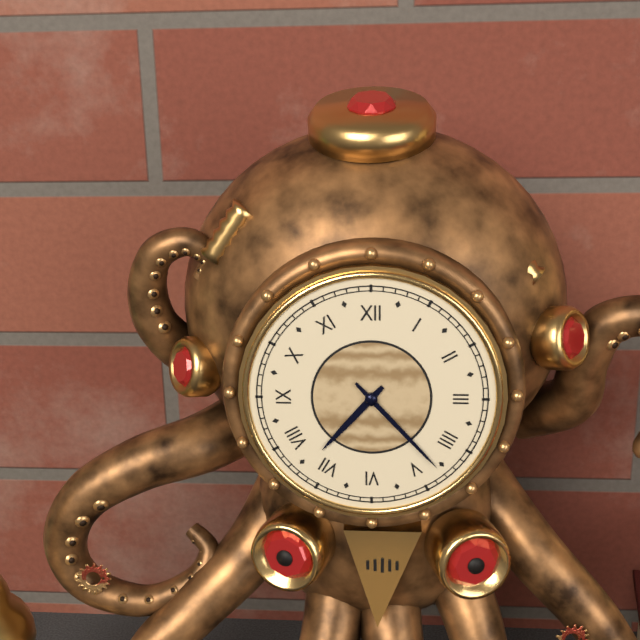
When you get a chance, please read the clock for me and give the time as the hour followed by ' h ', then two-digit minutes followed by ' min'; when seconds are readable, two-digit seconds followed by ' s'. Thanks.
7 h 23 min
